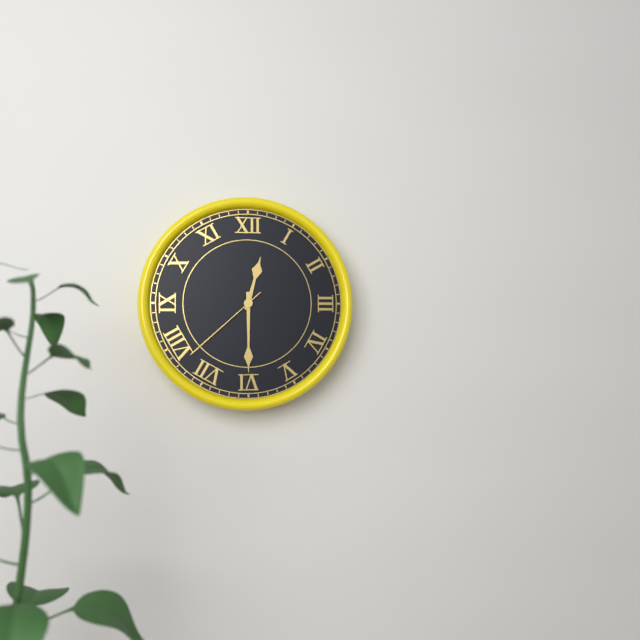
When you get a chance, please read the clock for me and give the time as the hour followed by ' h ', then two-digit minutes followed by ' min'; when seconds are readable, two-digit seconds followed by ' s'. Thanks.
12 h 30 min 38 s
